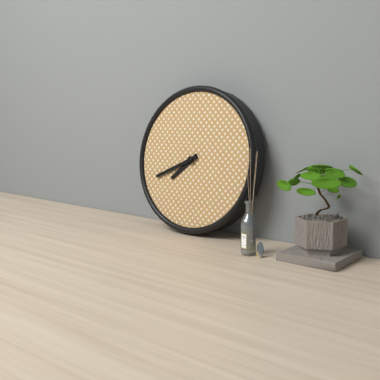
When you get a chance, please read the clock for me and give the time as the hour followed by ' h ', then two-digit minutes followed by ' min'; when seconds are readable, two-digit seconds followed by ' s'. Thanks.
7 h 41 min
